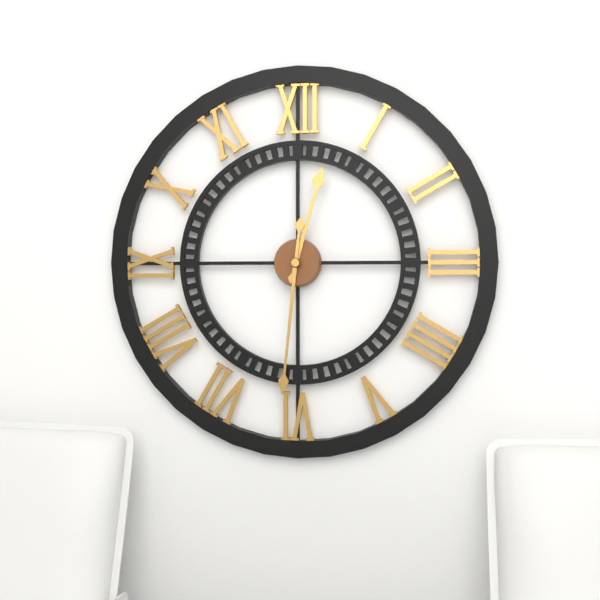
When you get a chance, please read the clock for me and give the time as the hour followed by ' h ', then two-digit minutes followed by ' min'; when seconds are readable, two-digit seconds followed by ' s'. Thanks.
12 h 31 min
